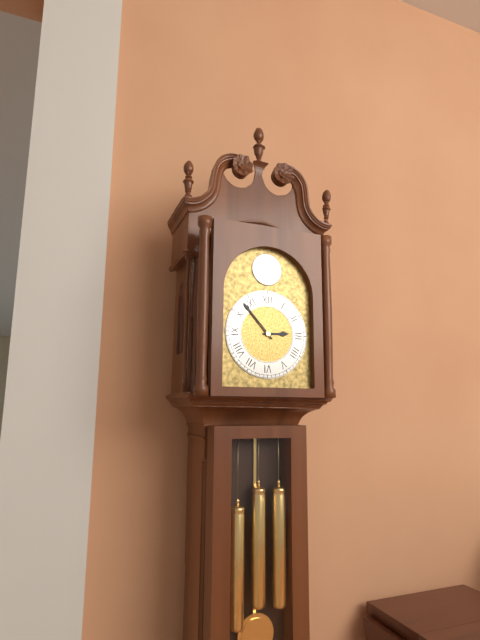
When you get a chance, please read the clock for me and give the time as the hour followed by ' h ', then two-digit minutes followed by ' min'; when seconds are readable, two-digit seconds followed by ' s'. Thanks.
2 h 53 min
